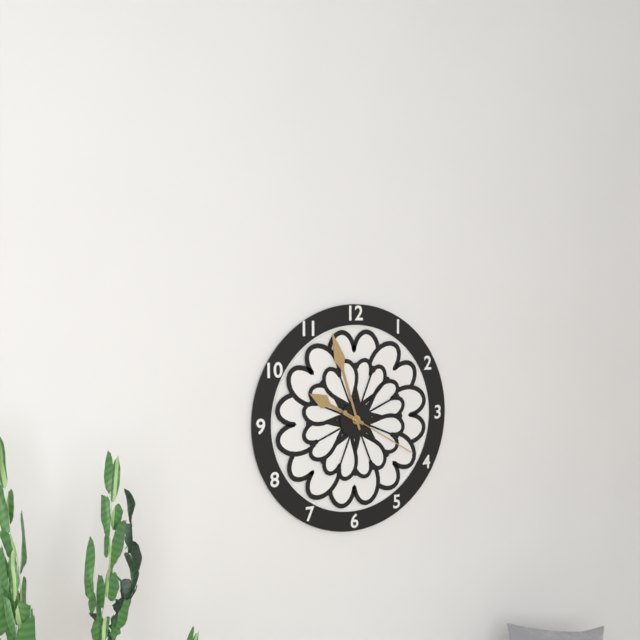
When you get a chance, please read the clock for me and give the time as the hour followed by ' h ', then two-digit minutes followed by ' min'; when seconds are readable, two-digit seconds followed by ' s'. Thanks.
9 h 57 min 20 s
